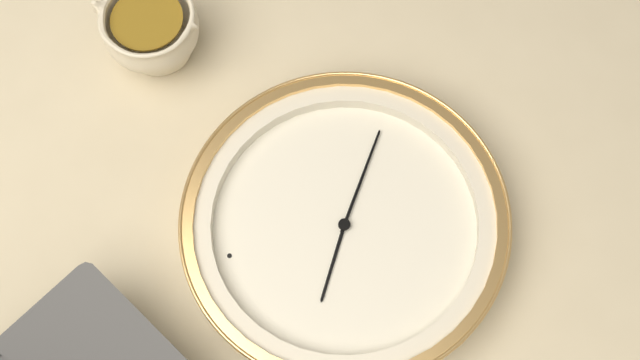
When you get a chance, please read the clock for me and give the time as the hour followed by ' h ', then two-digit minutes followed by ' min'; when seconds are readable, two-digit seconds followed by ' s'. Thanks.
9 h 17 min
